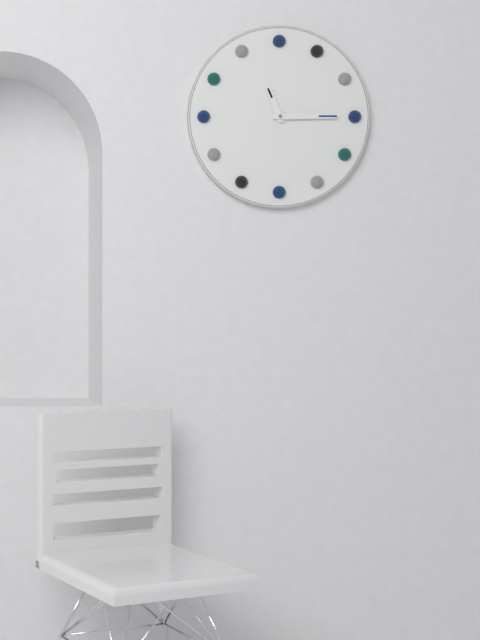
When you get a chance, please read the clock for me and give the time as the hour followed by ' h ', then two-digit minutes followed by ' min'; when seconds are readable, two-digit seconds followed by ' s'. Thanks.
11 h 15 min
